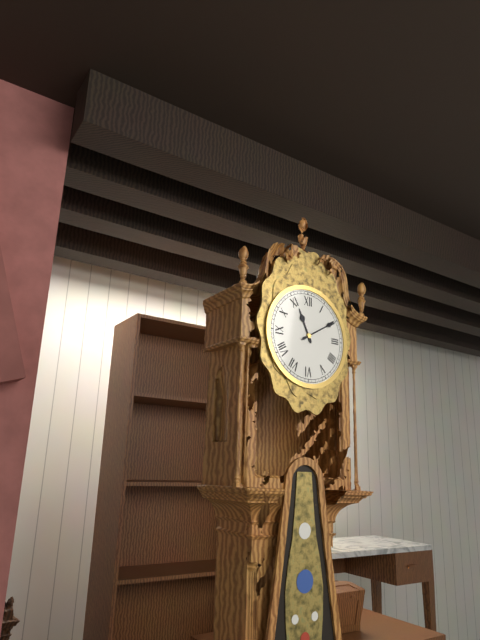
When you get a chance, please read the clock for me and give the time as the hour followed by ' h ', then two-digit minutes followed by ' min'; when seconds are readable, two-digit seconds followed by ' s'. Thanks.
11 h 10 min
